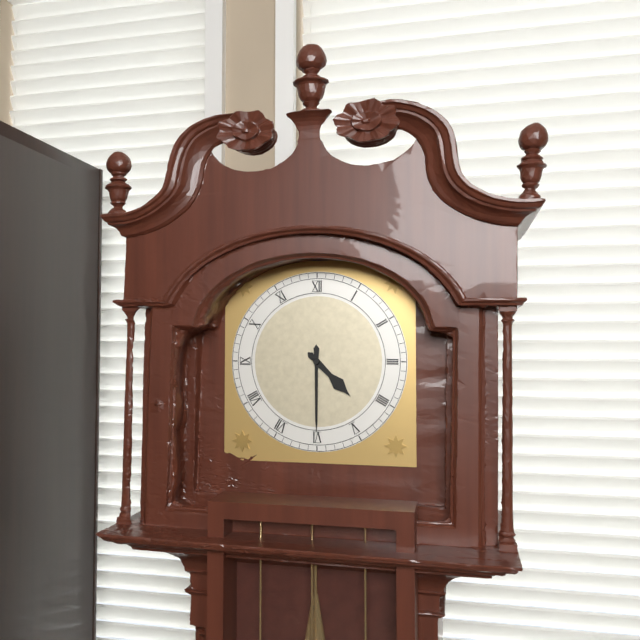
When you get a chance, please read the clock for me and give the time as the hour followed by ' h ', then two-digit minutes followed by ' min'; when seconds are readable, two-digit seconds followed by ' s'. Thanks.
4 h 30 min
